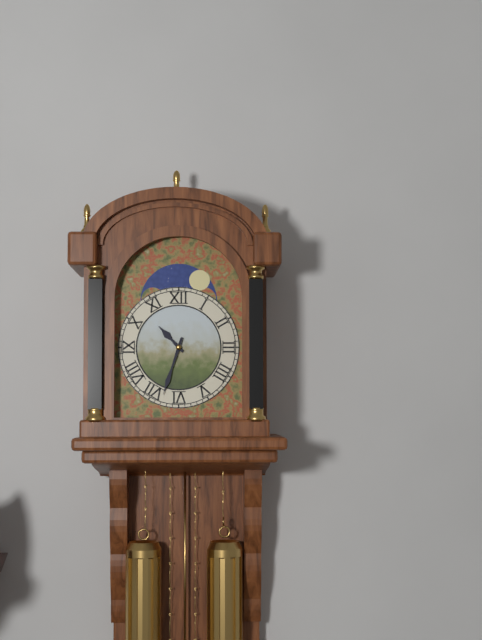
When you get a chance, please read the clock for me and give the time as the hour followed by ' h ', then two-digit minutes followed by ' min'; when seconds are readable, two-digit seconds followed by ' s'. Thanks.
10 h 33 min
